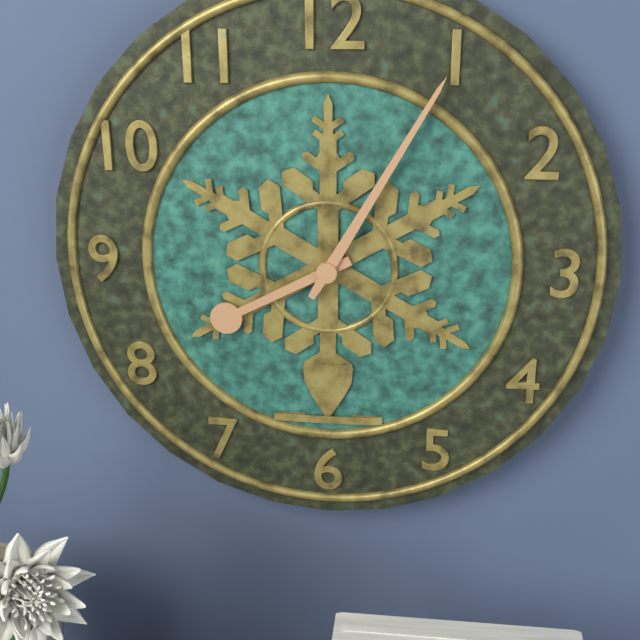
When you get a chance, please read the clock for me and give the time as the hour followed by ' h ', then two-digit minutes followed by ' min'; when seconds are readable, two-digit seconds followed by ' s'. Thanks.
8 h 05 min
